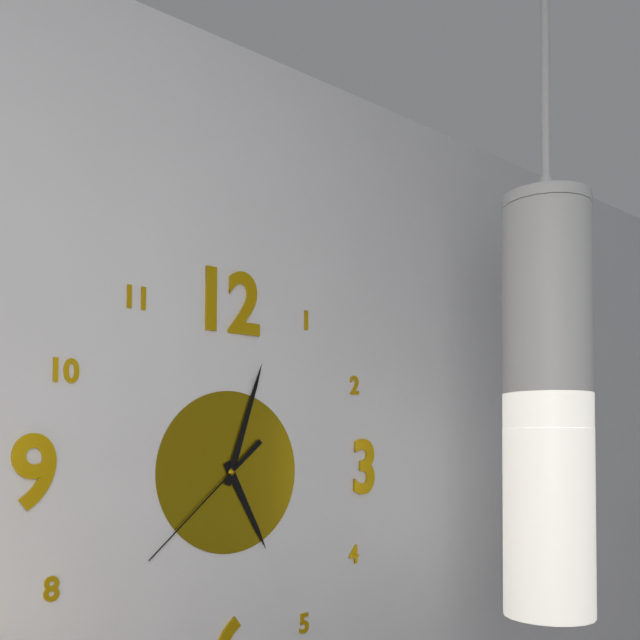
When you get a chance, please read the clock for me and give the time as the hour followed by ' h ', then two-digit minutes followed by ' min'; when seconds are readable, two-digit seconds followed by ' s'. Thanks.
5 h 03 min 38 s
